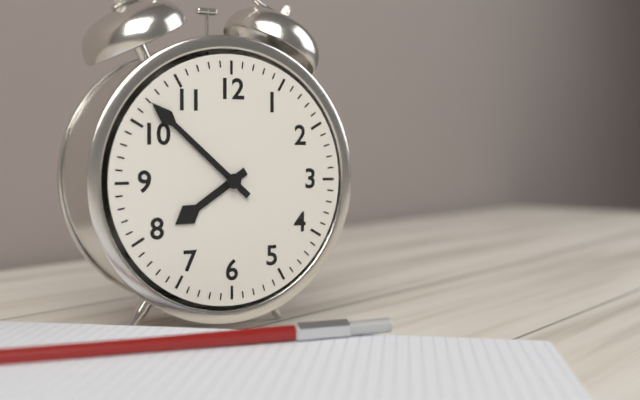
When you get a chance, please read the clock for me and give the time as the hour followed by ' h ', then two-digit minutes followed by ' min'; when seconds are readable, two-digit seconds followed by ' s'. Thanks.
7 h 52 min
